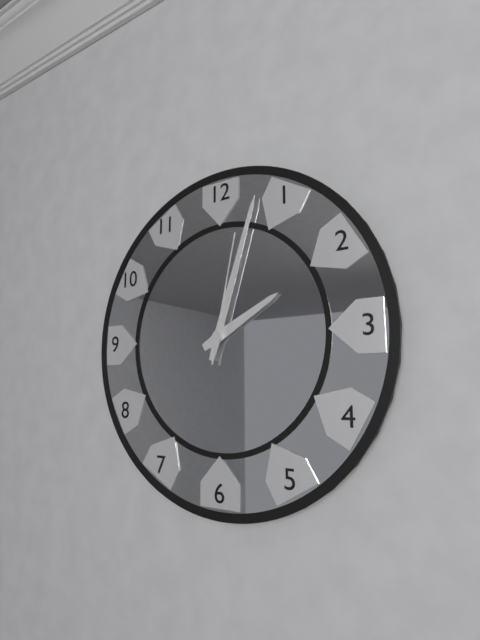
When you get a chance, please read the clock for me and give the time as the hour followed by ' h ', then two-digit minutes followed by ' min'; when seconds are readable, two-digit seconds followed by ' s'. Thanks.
2 h 03 min 02 s
